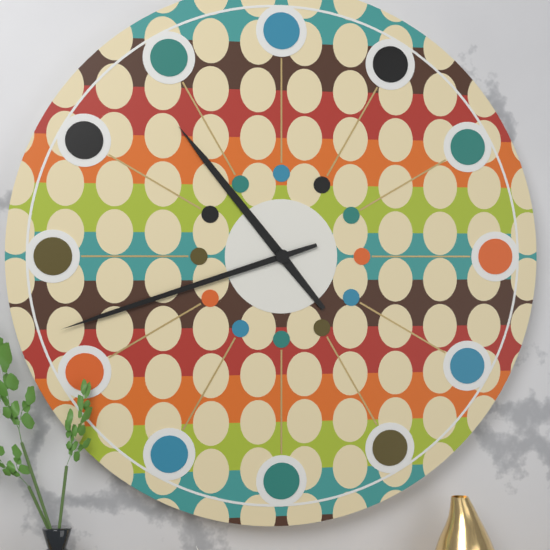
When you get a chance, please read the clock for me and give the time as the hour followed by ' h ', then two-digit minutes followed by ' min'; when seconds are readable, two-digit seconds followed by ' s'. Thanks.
10 h 42 min
